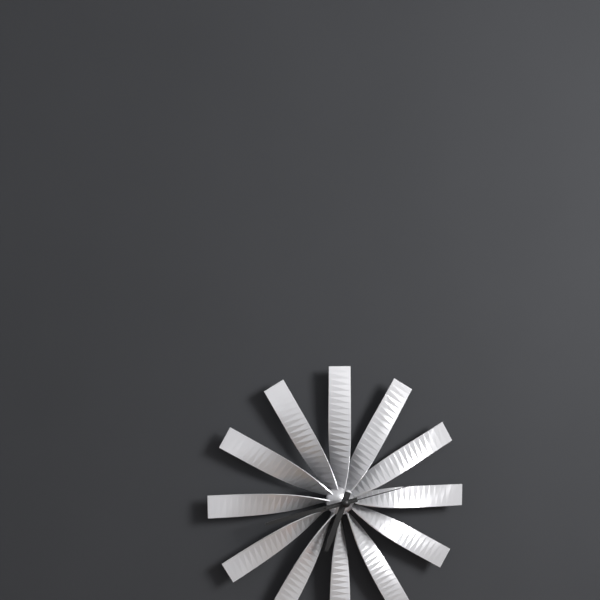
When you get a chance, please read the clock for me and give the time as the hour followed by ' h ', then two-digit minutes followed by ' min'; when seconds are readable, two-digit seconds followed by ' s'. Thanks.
6 h 43 min 13 s
